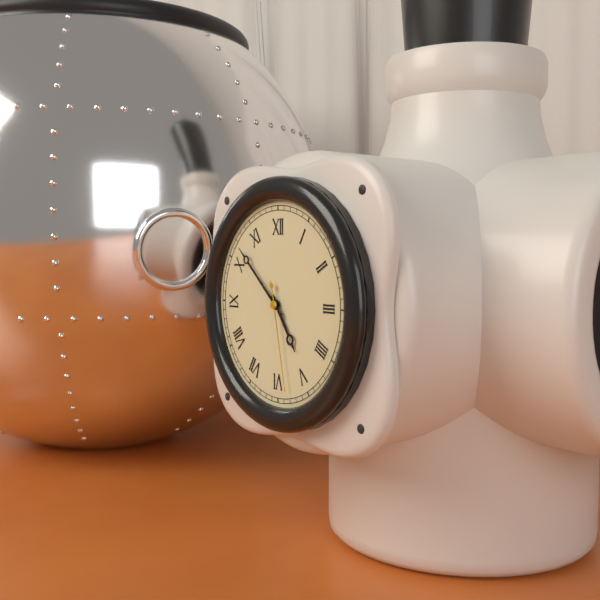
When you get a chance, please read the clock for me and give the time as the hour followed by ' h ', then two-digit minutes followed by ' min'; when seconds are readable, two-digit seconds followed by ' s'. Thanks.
4 h 52 min 28 s
